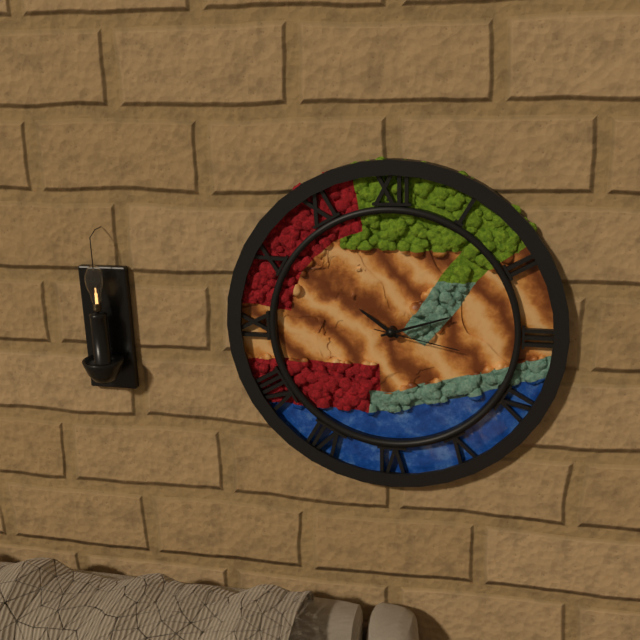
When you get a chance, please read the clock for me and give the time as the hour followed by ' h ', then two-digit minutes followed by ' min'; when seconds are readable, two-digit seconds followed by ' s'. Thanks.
10 h 12 min 17 s
